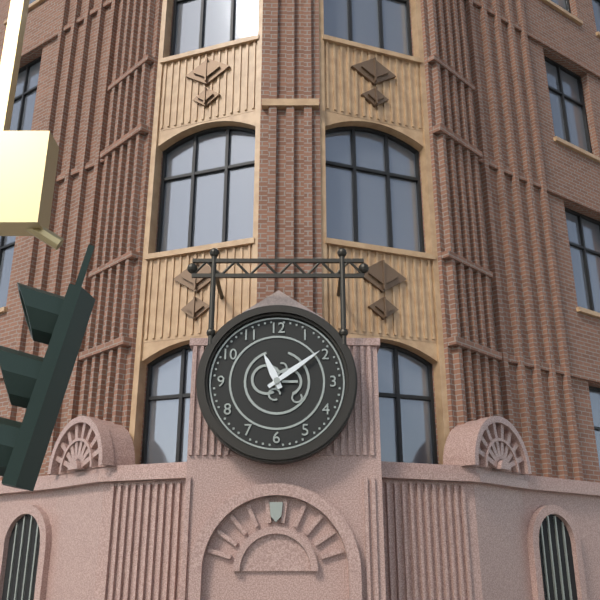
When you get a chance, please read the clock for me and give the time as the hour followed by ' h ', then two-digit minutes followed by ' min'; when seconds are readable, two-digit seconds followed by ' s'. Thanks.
11 h 09 min
